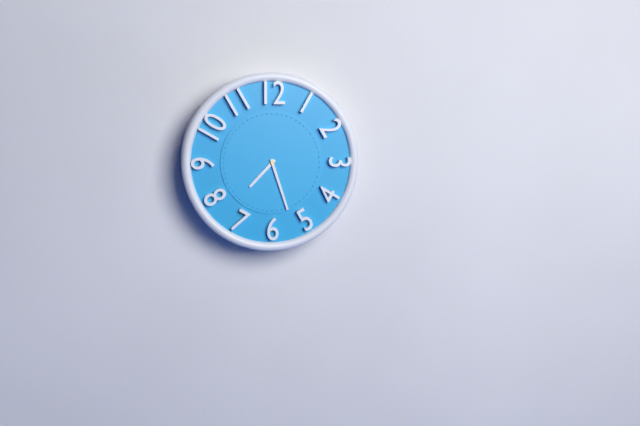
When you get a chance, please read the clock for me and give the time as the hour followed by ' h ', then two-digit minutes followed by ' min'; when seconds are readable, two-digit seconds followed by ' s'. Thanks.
7 h 27 min
